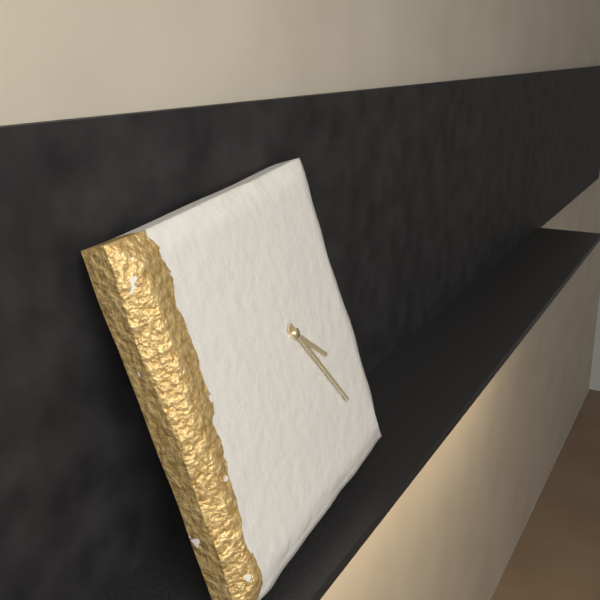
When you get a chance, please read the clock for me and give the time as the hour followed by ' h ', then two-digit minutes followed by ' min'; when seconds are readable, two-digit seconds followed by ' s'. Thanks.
4 h 25 min
